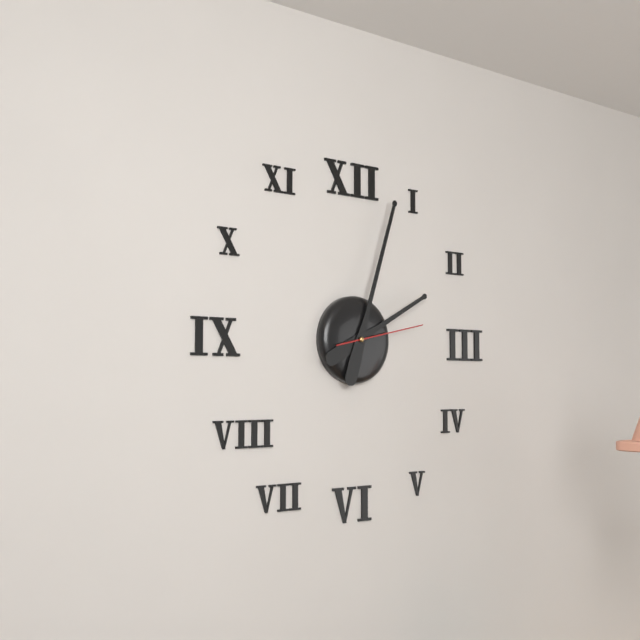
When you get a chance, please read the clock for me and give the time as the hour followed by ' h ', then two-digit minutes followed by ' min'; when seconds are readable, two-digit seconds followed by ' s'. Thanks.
2 h 03 min 13 s
